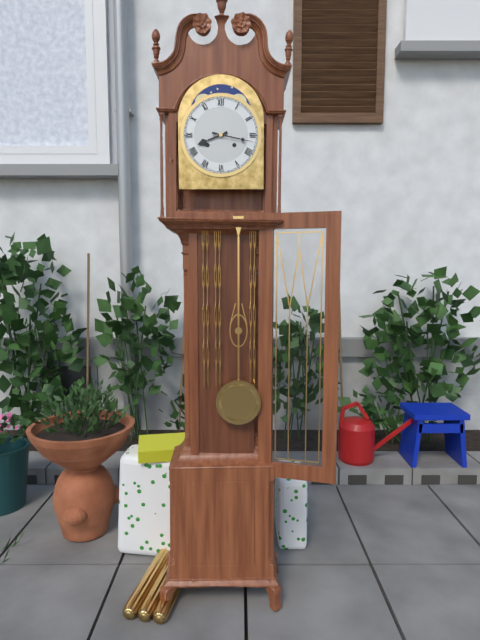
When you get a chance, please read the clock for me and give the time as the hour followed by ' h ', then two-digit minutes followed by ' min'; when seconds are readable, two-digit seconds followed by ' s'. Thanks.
8 h 17 min
